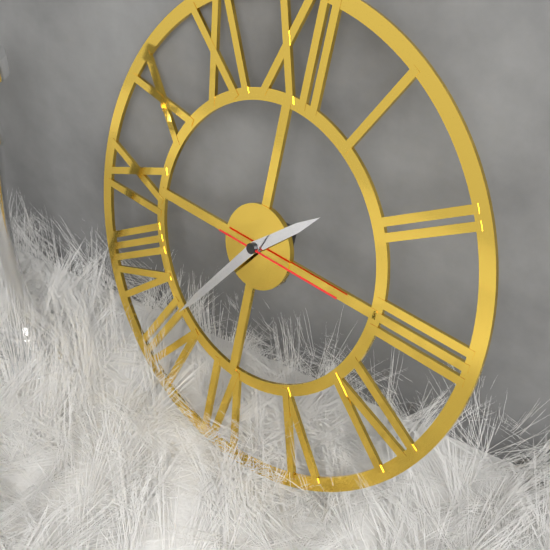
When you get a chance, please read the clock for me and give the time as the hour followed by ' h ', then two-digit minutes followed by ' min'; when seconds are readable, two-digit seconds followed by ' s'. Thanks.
1 h 36 min 15 s
